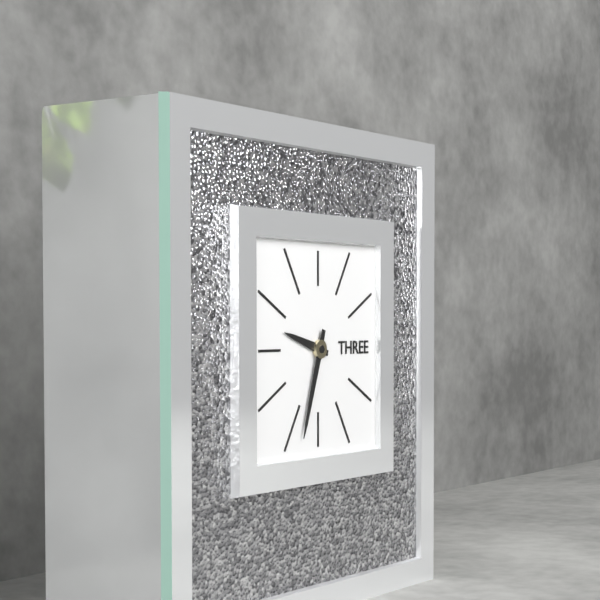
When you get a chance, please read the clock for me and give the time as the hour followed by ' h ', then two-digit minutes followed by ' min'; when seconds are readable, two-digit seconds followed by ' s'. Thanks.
9 h 33 min
